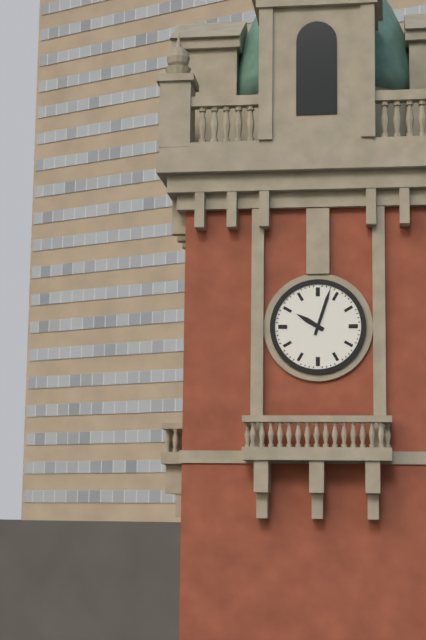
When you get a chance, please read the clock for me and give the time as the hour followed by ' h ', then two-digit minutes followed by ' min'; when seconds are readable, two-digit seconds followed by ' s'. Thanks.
10 h 03 min
